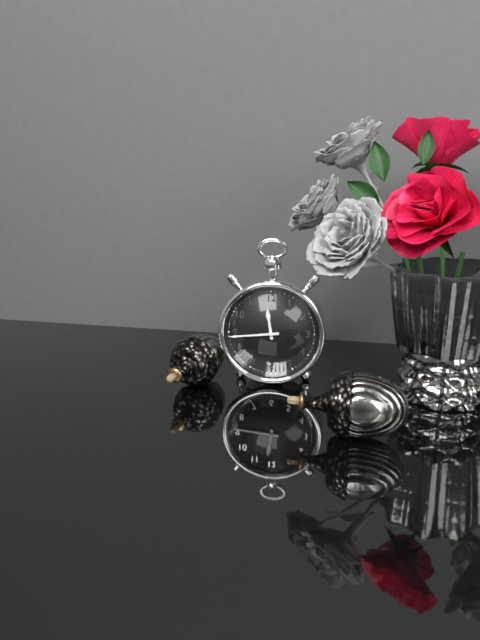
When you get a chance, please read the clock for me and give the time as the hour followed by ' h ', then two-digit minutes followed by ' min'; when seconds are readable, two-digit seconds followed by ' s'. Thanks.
11 h 44 min
